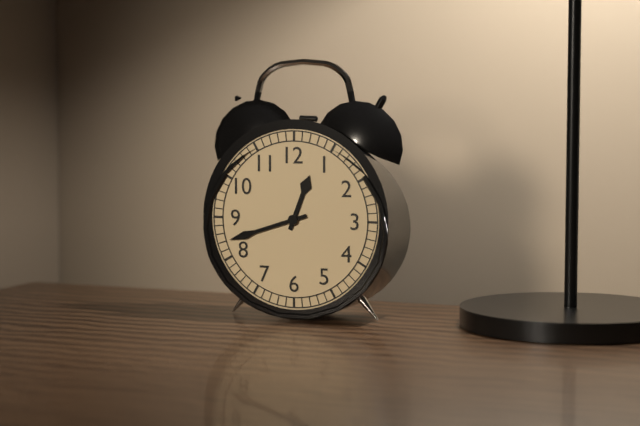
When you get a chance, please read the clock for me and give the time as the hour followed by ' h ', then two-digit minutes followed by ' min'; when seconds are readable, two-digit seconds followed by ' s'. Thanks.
12 h 42 min
